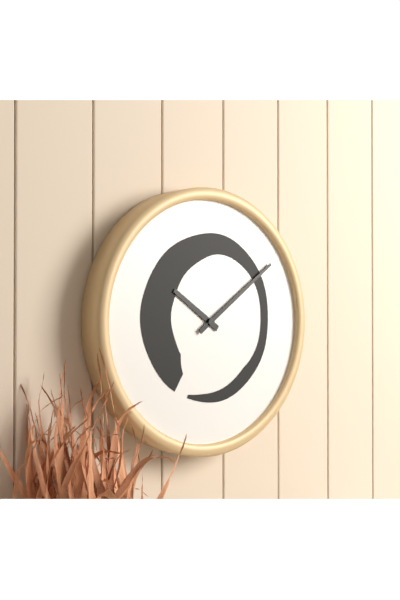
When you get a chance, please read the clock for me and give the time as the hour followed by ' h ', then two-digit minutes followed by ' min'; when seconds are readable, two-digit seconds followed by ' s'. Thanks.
10 h 09 min
